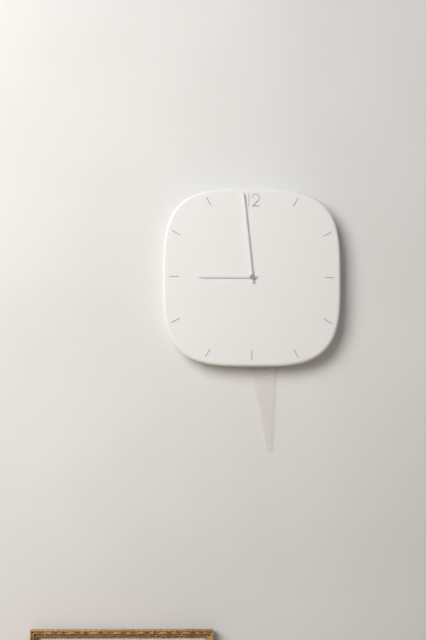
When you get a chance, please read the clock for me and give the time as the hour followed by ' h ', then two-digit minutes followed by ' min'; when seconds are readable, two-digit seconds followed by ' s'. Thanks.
8 h 59 min
